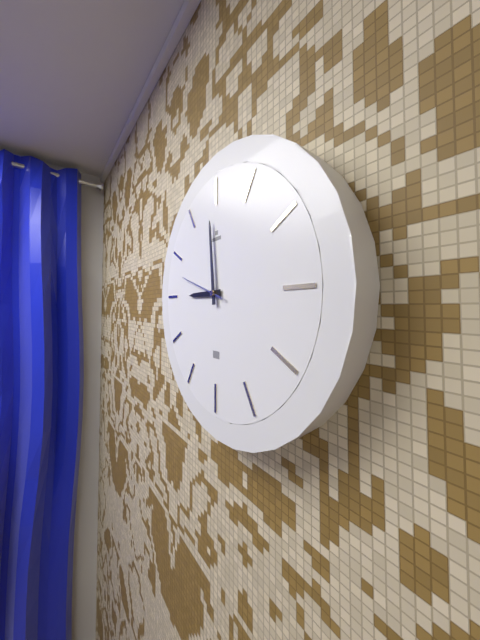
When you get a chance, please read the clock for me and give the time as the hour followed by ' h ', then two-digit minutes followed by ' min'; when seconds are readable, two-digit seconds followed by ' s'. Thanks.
8 h 59 min
